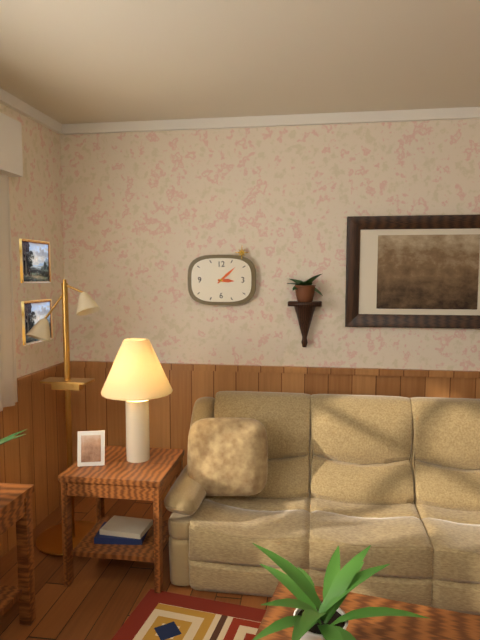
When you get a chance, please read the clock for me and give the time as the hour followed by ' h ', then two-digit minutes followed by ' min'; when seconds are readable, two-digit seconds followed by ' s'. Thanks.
3 h 08 min
